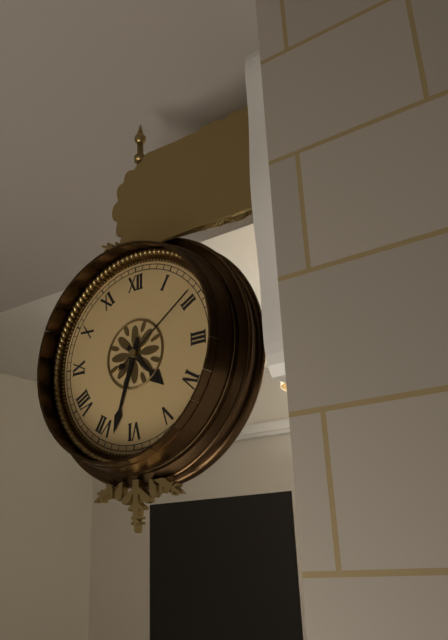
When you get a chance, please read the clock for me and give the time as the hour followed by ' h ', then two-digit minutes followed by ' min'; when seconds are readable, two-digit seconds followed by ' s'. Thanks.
4 h 33 min 09 s
